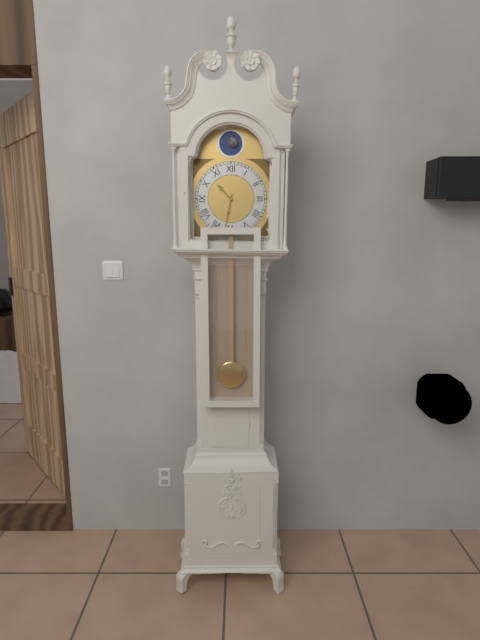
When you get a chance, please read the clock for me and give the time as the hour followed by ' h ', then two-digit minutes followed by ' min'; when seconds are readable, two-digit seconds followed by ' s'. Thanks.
10 h 32 min
